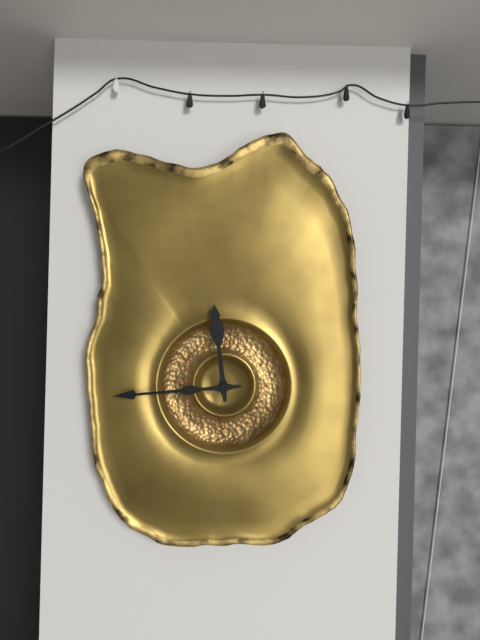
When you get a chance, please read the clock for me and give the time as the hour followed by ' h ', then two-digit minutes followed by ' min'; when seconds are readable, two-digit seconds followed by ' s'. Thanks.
11 h 44 min
